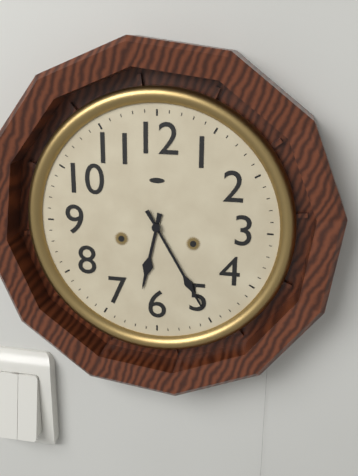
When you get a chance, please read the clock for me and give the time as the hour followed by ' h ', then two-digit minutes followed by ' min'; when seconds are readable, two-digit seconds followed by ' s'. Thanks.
6 h 25 min
